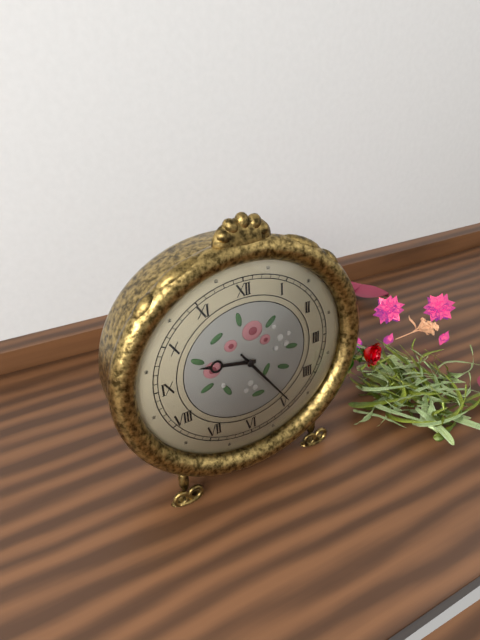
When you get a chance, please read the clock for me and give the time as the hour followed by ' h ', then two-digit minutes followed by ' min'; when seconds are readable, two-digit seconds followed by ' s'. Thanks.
9 h 24 min
